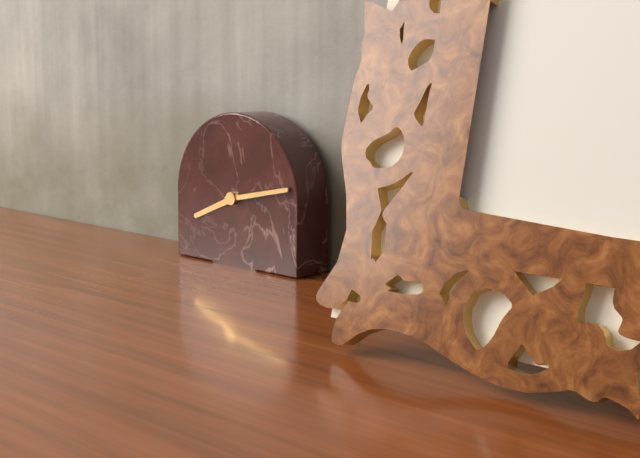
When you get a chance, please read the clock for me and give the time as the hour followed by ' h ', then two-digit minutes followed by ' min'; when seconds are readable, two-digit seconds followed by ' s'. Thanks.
8 h 13 min
